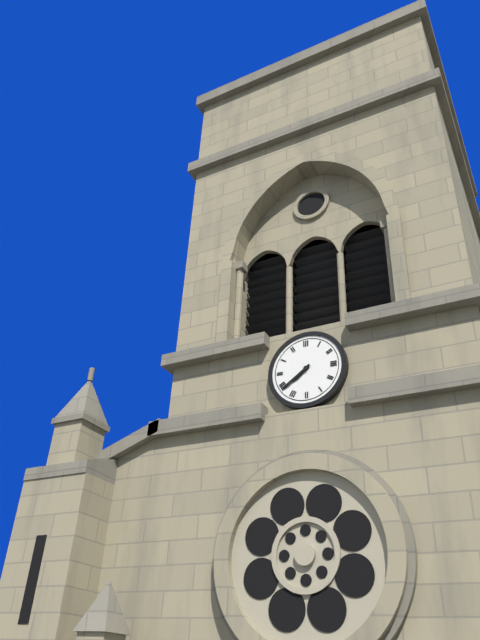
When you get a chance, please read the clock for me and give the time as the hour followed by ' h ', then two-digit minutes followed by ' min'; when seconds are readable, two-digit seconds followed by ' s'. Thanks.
7 h 39 min
